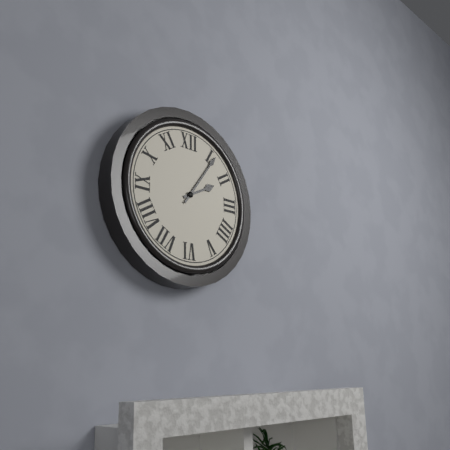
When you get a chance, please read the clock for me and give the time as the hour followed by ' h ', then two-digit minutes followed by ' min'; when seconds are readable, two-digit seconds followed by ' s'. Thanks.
2 h 06 min
